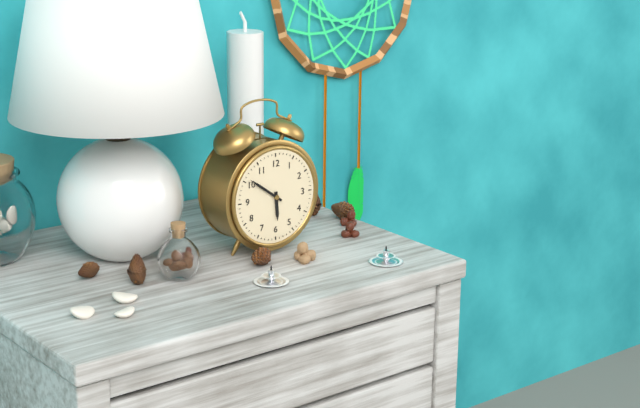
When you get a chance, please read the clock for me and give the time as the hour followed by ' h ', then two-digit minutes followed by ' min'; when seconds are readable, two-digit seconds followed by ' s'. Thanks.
5 h 51 min
